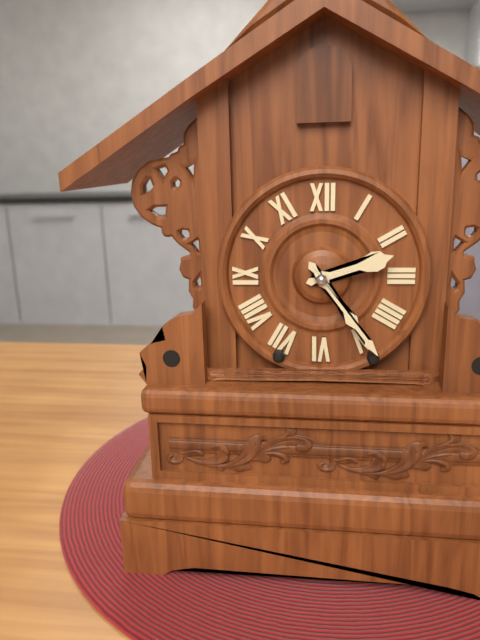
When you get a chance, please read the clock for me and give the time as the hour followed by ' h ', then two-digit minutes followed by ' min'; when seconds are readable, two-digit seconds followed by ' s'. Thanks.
2 h 24 min
